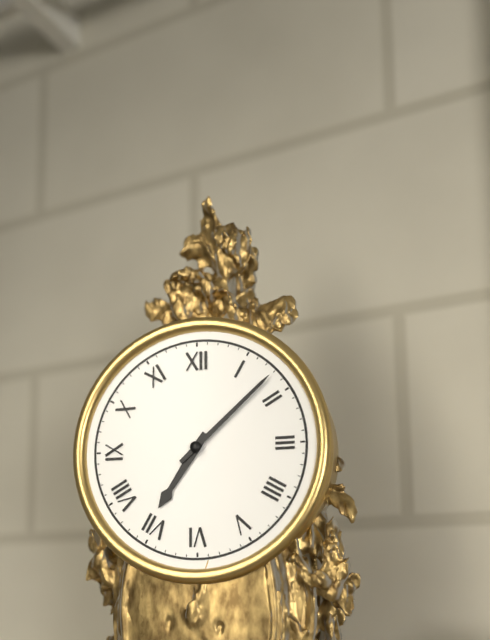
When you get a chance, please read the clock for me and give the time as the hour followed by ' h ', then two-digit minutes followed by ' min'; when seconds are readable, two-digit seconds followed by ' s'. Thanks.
7 h 08 min
